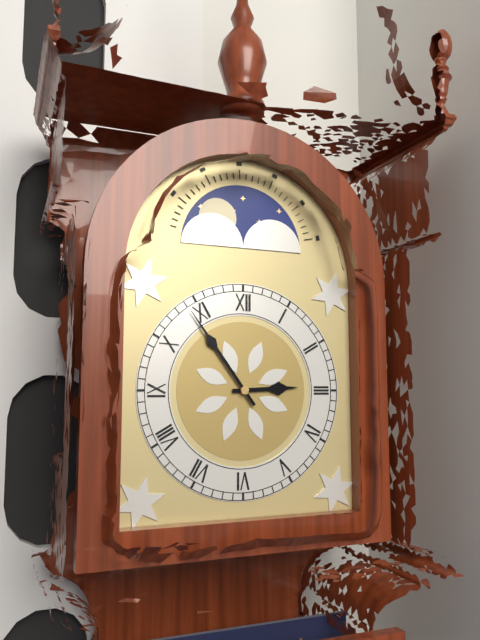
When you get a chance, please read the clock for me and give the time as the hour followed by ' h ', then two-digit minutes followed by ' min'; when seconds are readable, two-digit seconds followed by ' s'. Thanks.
2 h 54 min
